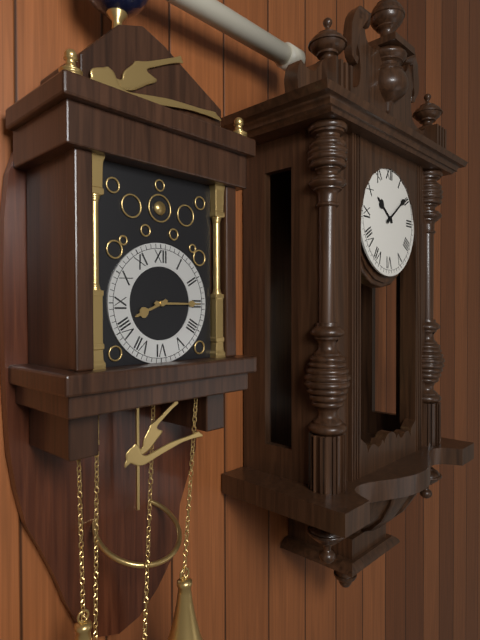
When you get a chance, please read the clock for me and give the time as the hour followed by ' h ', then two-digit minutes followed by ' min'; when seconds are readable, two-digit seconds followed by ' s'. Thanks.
8 h 15 min
